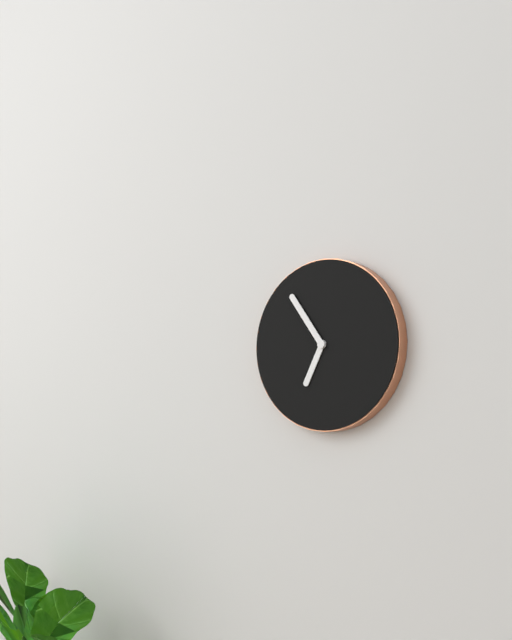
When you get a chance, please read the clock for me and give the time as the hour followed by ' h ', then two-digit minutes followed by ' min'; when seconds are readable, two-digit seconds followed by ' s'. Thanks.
6 h 54 min
